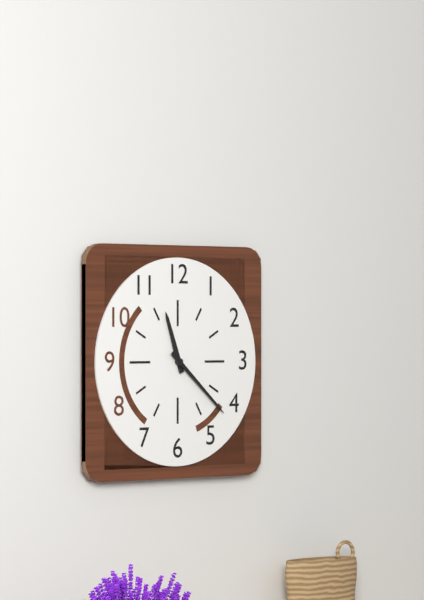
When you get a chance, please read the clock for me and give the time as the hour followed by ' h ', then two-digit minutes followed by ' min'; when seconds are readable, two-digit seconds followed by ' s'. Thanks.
11 h 22 min
